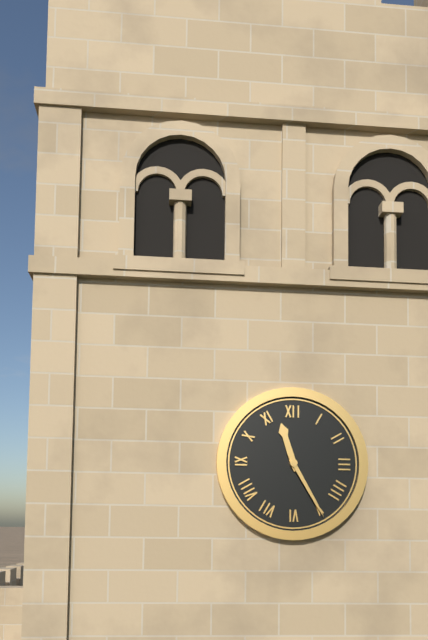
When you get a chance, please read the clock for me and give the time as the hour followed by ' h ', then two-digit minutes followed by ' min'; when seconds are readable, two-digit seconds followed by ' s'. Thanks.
11 h 25 min
